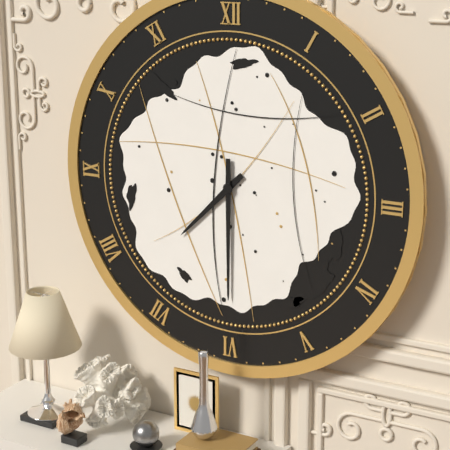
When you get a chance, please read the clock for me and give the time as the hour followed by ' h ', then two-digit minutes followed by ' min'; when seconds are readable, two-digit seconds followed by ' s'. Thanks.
7 h 30 min
